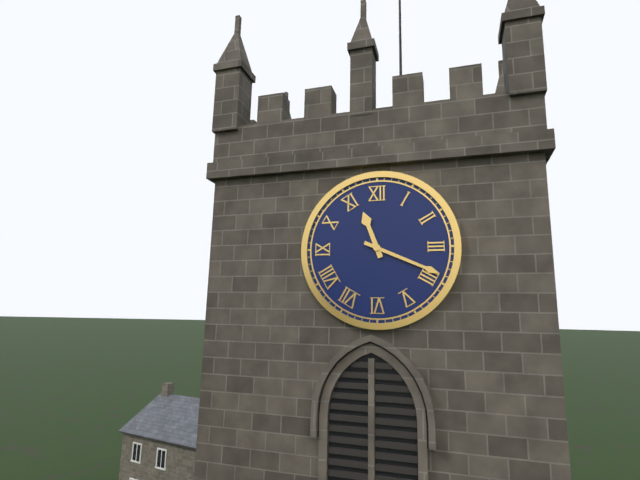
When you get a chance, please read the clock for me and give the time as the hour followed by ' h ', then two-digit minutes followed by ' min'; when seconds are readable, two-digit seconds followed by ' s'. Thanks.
11 h 19 min
